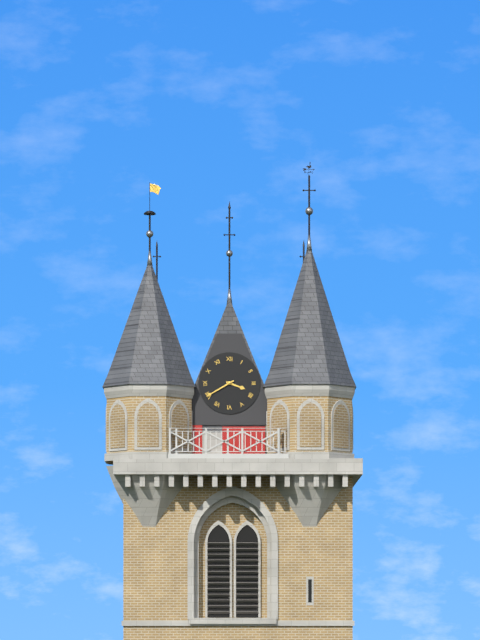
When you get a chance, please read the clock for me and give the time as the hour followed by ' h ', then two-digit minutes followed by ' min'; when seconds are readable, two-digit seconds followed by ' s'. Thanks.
3 h 40 min
